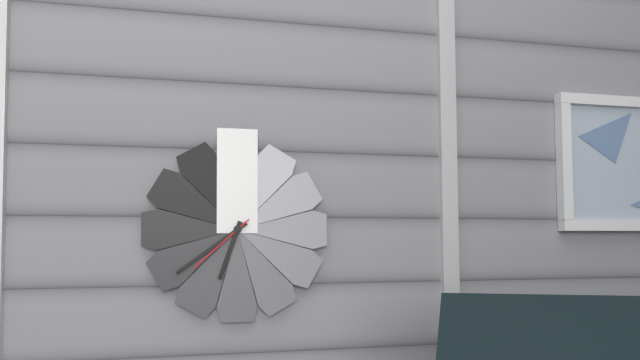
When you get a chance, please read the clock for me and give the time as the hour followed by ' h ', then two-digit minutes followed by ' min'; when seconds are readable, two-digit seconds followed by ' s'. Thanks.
6 h 39 min 38 s
